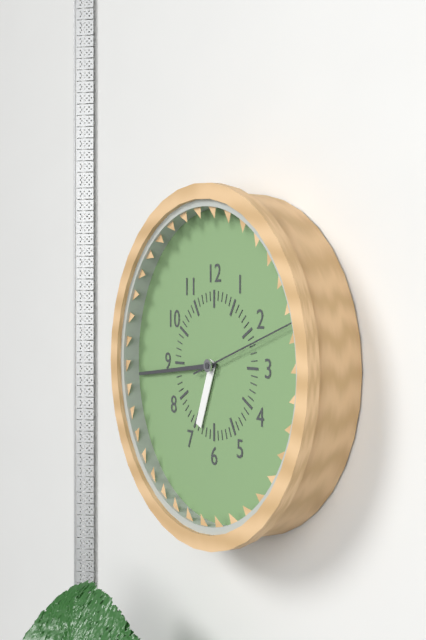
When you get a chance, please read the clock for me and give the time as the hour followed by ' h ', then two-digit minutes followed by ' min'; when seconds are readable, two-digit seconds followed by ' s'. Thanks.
6 h 44 min 12 s
